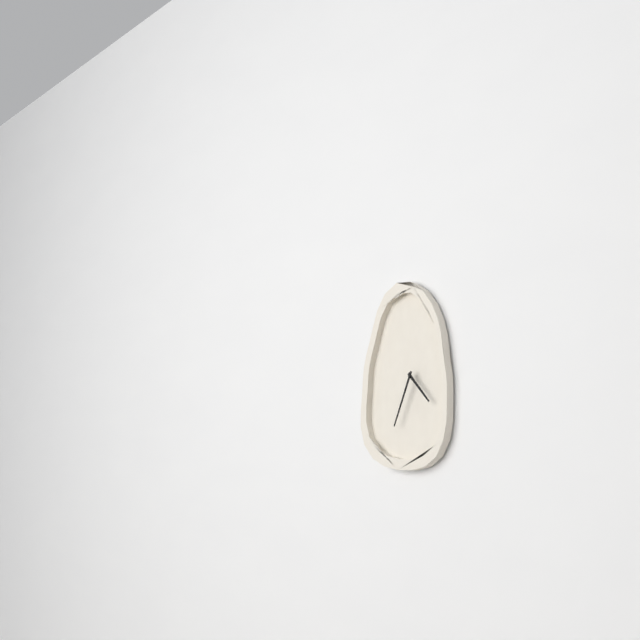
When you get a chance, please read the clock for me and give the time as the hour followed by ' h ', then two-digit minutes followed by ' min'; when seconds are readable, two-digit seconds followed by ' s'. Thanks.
4 h 34 min
